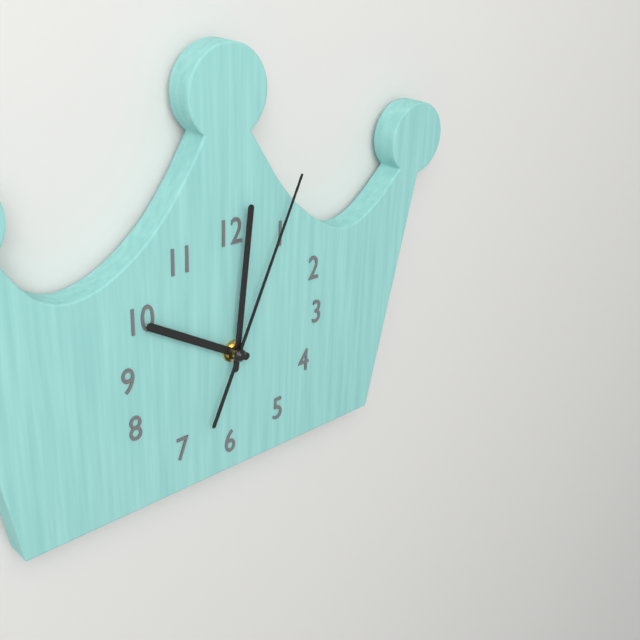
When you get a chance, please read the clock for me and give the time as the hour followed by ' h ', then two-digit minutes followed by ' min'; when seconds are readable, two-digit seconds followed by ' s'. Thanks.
10 h 01 min 04 s
